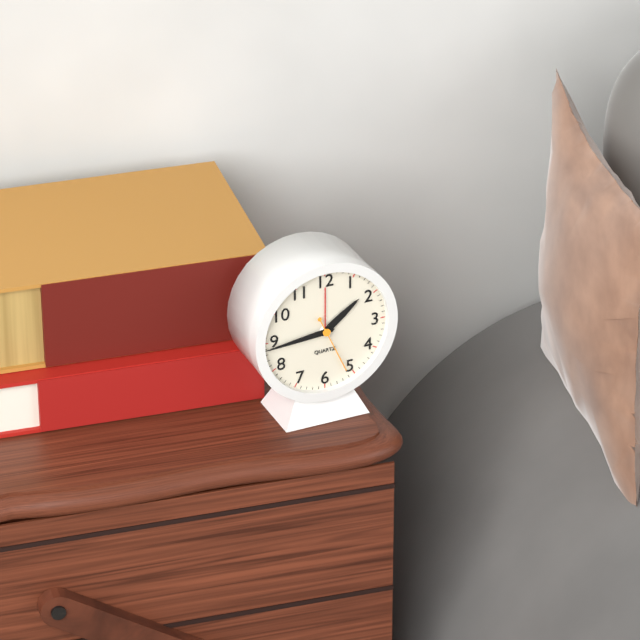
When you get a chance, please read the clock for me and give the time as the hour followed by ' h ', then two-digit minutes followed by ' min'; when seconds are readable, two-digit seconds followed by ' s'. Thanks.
1 h 44 min 26 s
